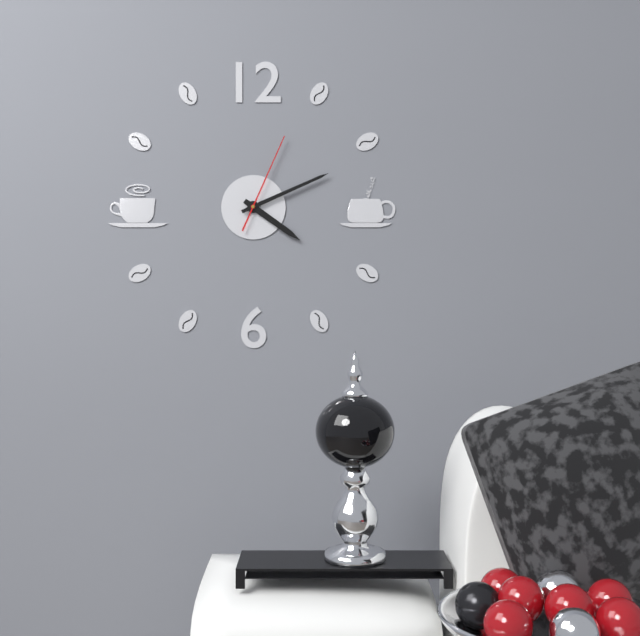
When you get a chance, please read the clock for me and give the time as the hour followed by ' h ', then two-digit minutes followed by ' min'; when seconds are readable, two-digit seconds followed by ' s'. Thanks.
4 h 11 min 04 s
